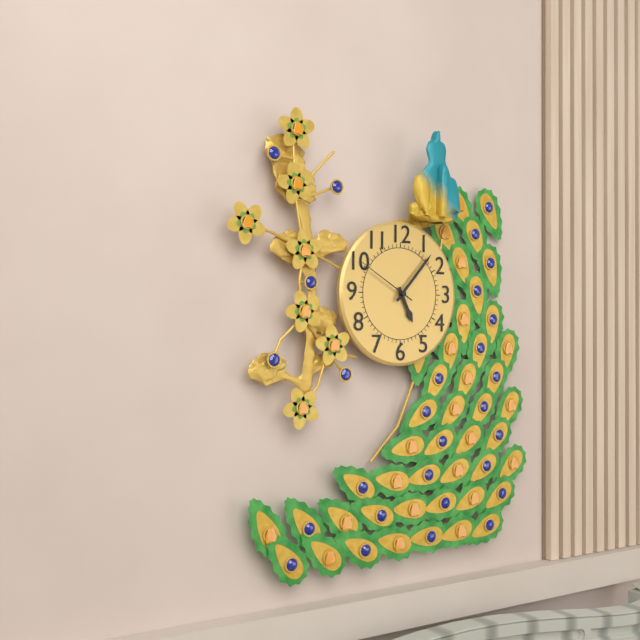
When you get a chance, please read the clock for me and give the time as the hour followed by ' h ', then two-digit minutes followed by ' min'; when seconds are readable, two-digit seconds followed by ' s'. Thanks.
5 h 07 min 50 s
